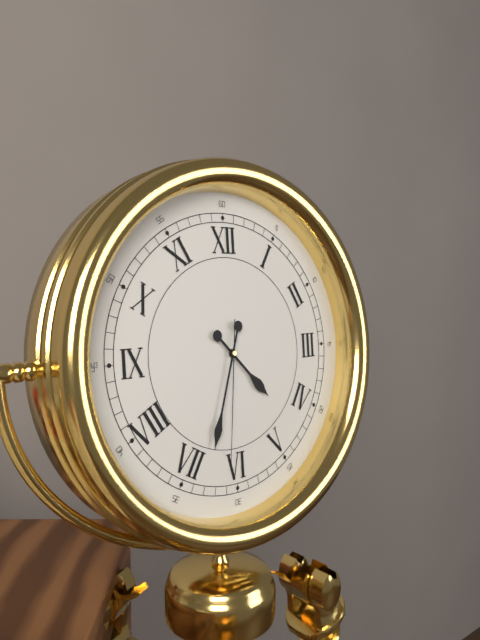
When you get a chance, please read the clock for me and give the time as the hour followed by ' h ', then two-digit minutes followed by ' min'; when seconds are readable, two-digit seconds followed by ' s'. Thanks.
4 h 33 min 31 s
